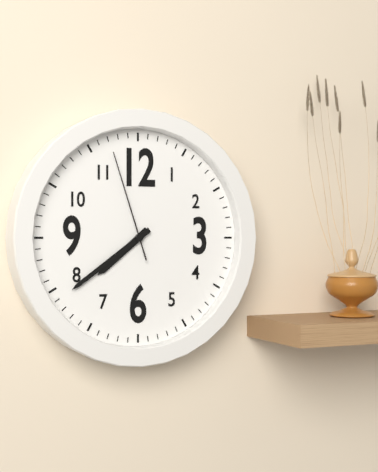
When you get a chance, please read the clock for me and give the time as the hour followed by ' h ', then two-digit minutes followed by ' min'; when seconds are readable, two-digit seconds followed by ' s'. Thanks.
7 h 39 min 57 s
